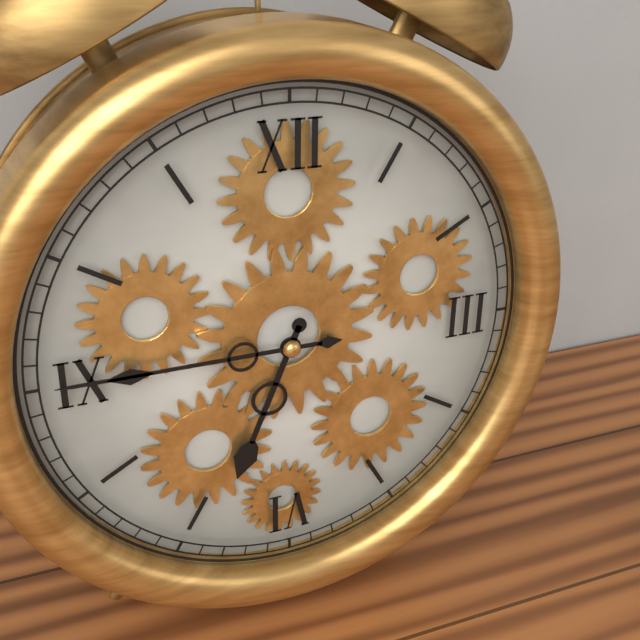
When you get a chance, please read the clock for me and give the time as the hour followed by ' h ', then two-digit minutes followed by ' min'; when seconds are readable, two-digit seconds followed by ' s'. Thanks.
6 h 45 min
